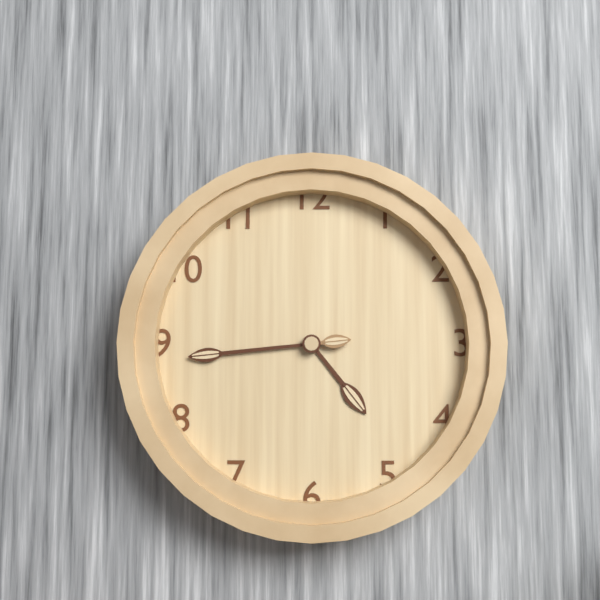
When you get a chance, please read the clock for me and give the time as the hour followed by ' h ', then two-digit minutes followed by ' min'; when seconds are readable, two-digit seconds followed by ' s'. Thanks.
4 h 44 min 14 s
